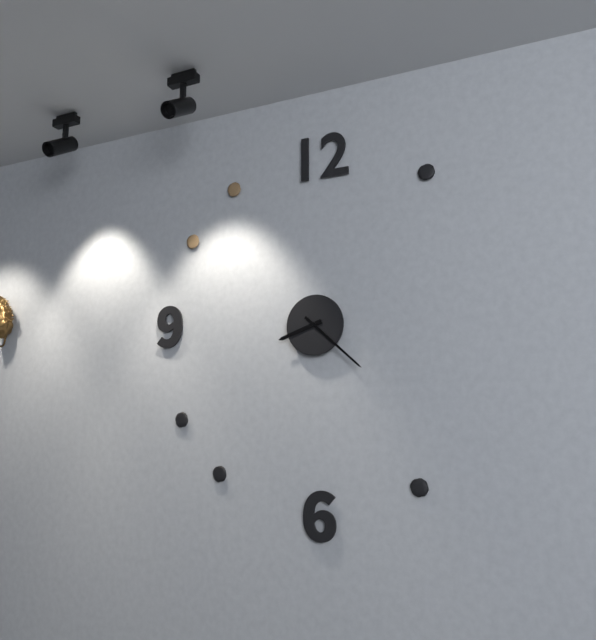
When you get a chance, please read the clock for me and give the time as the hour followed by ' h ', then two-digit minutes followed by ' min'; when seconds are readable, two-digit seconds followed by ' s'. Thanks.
8 h 22 min
